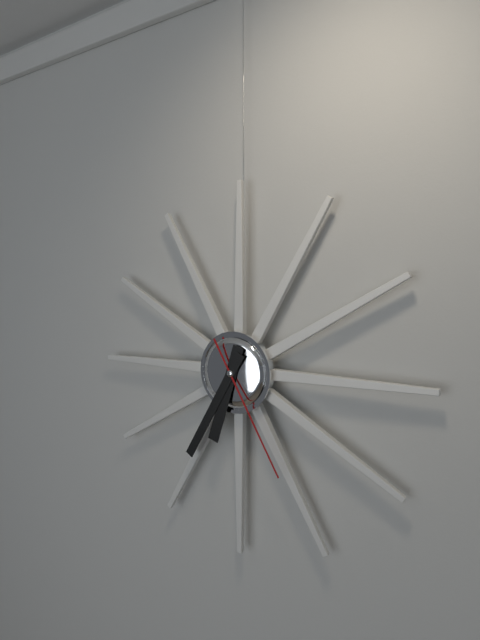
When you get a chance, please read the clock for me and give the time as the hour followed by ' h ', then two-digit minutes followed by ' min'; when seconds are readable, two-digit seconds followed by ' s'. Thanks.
6 h 35 min 25 s
